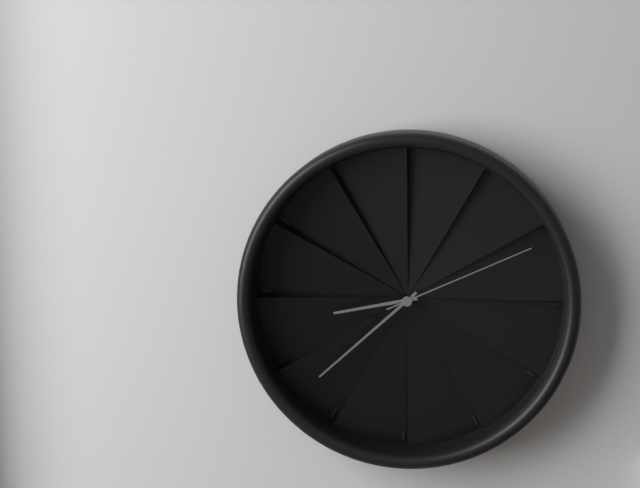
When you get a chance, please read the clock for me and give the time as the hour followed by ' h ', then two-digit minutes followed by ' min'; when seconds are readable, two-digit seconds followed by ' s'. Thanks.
8 h 38 min 11 s
